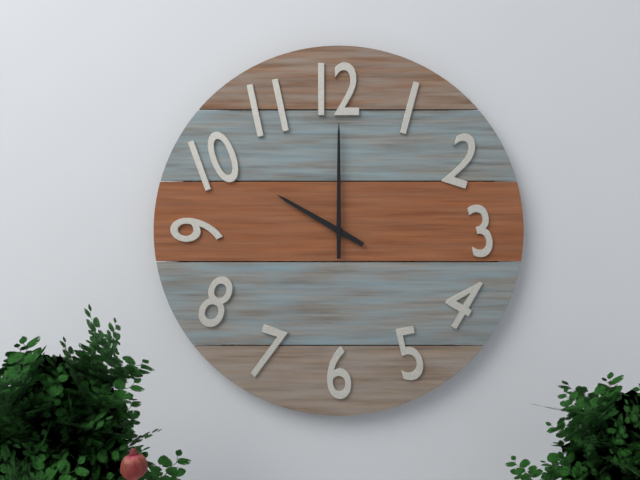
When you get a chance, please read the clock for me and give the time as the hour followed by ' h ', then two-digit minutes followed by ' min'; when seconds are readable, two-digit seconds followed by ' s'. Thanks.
10 h 00 min
